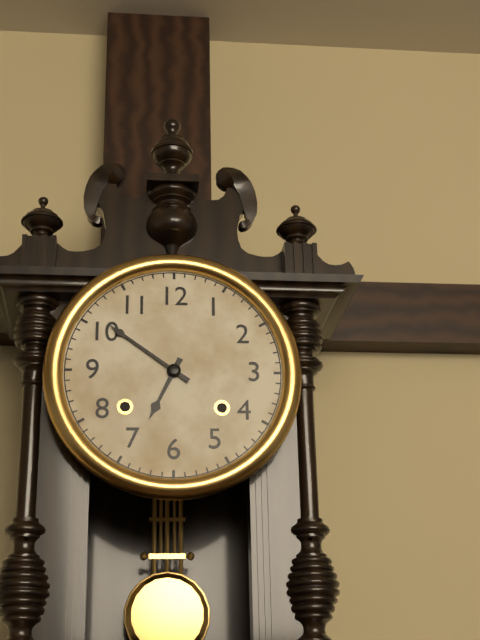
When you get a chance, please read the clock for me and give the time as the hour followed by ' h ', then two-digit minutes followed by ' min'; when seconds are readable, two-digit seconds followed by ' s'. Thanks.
6 h 51 min
